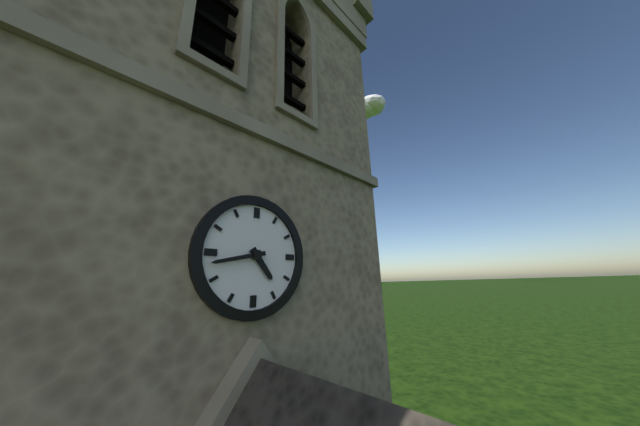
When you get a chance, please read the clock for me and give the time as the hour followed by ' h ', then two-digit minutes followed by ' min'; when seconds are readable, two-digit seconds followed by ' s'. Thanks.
4 h 43 min
